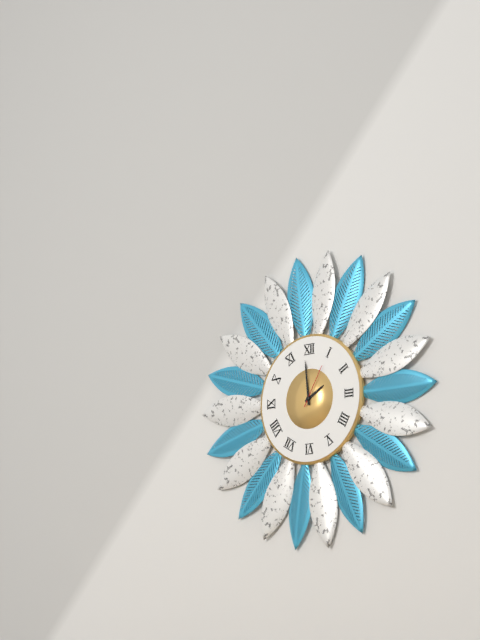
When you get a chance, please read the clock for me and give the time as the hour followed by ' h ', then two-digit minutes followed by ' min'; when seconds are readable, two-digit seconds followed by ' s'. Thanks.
1 h 59 min
